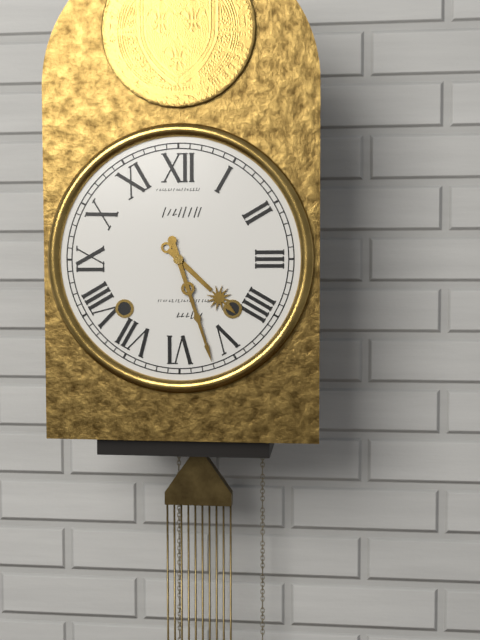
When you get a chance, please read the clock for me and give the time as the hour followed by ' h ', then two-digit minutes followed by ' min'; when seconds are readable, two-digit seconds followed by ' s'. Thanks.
4 h 27 min
